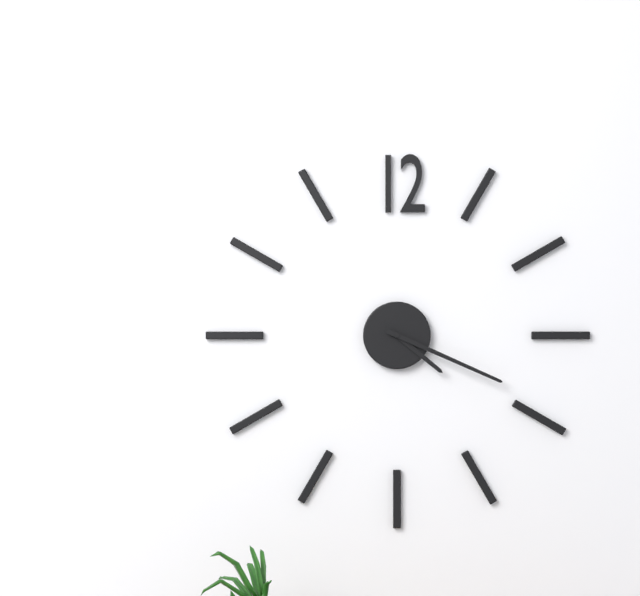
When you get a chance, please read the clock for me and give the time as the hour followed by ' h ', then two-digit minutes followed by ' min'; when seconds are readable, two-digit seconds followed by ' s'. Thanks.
4 h 19 min
